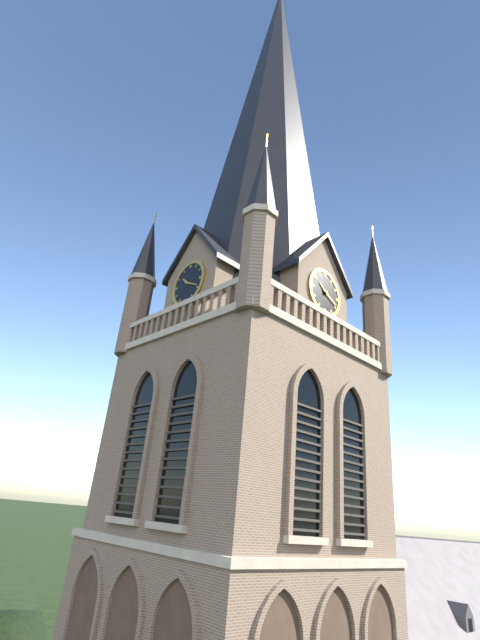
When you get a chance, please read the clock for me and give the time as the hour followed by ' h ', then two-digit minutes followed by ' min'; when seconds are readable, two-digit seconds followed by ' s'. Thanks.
10 h 19 min
